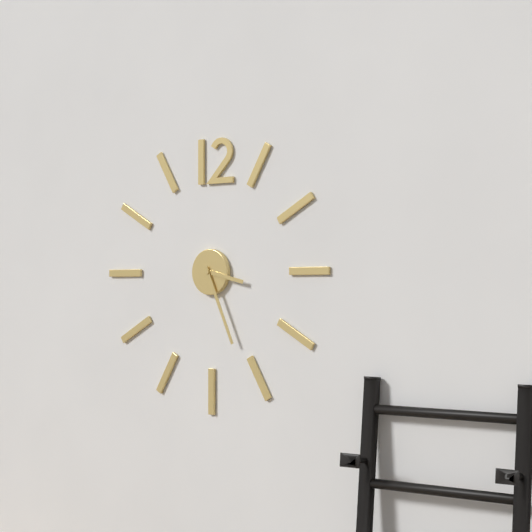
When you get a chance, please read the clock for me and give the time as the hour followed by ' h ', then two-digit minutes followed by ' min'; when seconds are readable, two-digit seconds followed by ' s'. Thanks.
3 h 26 min
